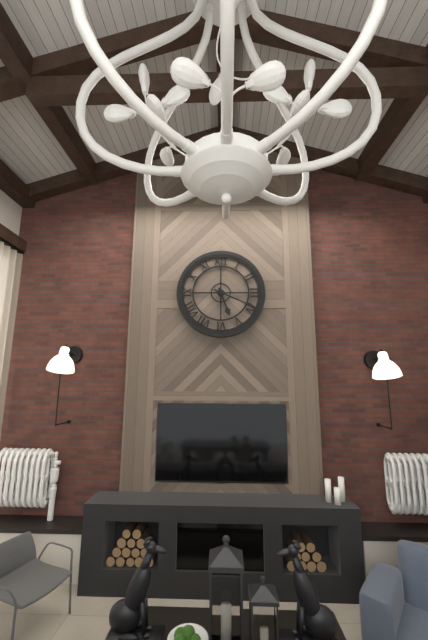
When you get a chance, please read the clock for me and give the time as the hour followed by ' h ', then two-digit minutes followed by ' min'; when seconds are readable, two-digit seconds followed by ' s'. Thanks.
5 h 19 min
